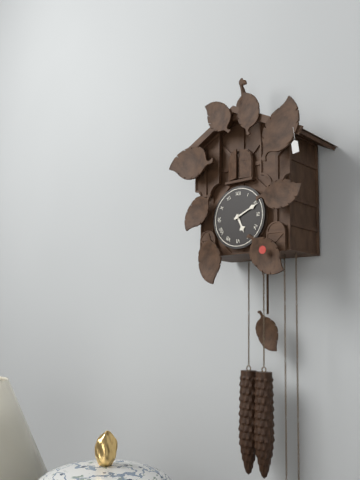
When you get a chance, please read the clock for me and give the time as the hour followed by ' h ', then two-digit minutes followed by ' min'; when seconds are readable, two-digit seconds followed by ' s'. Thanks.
5 h 11 min
